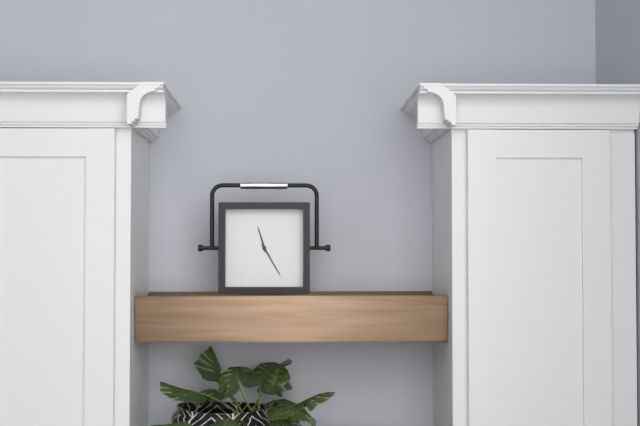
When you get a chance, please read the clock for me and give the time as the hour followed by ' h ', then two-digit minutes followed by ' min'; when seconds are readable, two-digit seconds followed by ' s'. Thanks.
11 h 25 min
